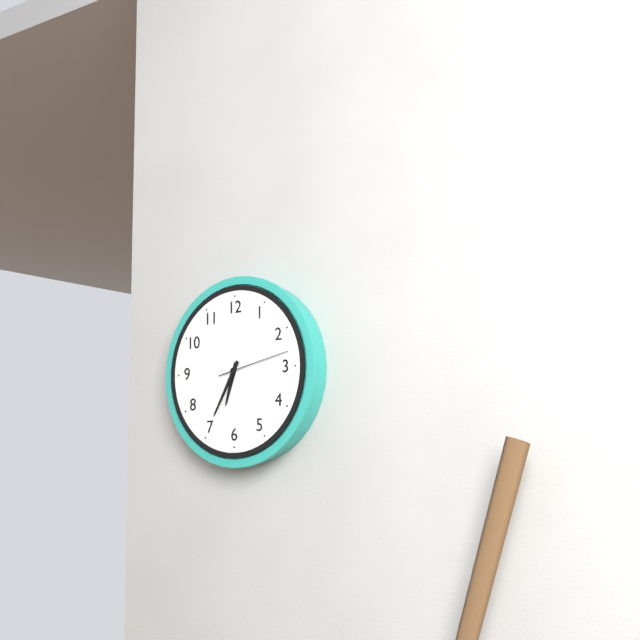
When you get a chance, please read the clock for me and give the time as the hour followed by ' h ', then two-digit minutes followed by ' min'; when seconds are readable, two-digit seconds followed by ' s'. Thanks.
6 h 35 min 13 s
